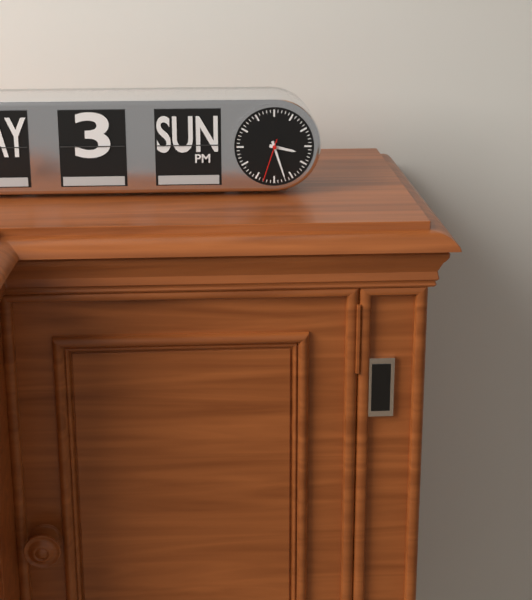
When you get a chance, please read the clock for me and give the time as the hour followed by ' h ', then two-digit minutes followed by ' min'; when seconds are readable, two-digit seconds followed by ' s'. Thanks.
3 h 27 min
